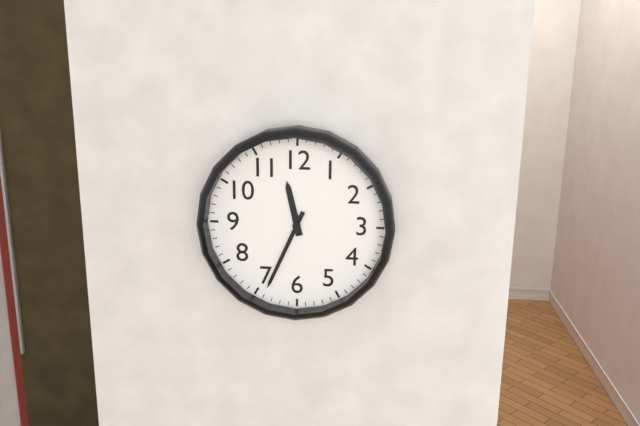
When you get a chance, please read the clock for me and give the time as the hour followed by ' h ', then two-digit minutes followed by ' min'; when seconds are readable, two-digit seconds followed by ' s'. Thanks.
11 h 34 min
